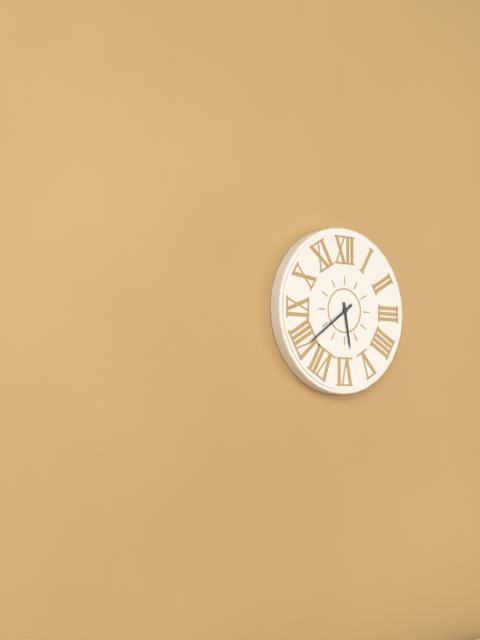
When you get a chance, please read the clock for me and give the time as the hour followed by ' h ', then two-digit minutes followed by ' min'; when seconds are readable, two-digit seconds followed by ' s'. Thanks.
5 h 39 min
